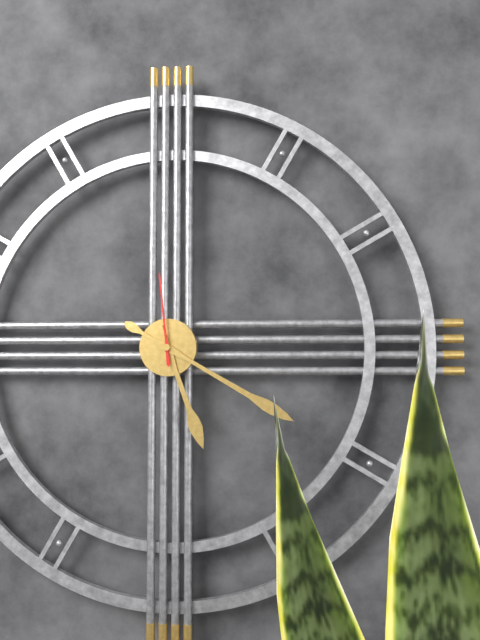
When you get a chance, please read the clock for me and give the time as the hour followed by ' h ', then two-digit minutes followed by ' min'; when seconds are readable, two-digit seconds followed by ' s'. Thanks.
5 h 20 min 59 s
